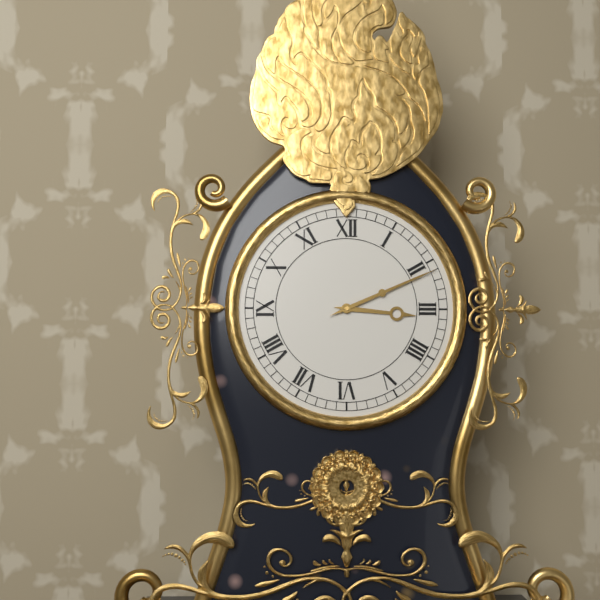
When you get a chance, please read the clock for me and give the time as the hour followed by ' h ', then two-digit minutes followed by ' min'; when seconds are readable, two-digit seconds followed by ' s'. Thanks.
3 h 11 min
